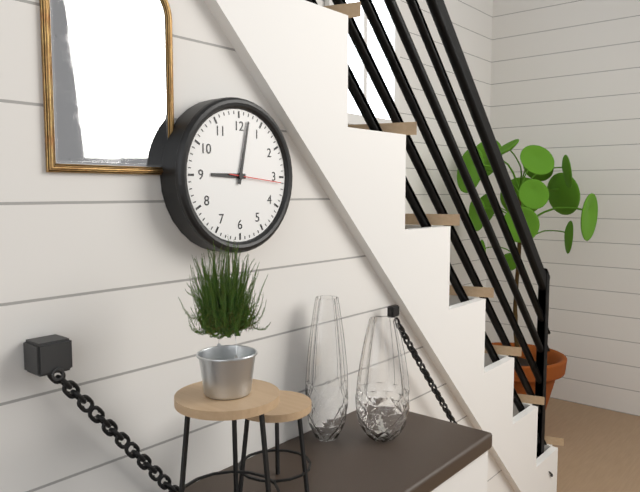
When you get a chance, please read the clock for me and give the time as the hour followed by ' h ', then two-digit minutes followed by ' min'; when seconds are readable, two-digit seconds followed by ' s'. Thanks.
9 h 02 min 16 s
